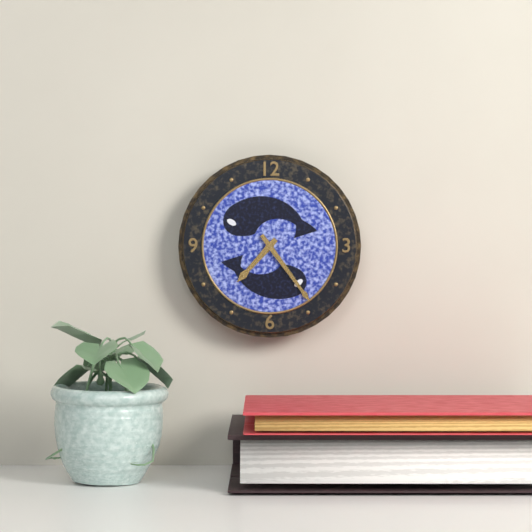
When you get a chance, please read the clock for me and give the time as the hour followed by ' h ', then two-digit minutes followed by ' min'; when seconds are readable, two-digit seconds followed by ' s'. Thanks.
7 h 24 min
